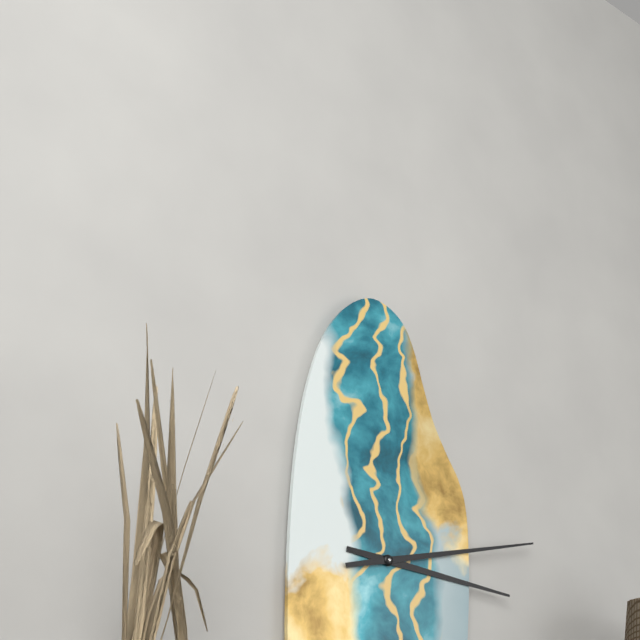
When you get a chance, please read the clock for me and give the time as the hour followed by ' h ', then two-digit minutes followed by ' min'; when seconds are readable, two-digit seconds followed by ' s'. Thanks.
3 h 13 min
